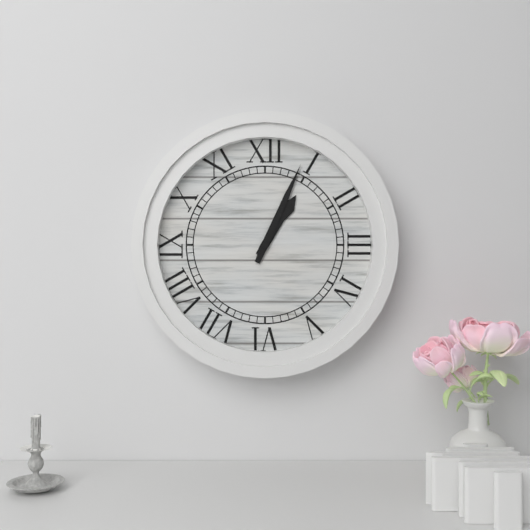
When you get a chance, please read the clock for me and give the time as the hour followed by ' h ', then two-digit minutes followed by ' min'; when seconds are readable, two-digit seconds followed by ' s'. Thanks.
1 h 04 min
